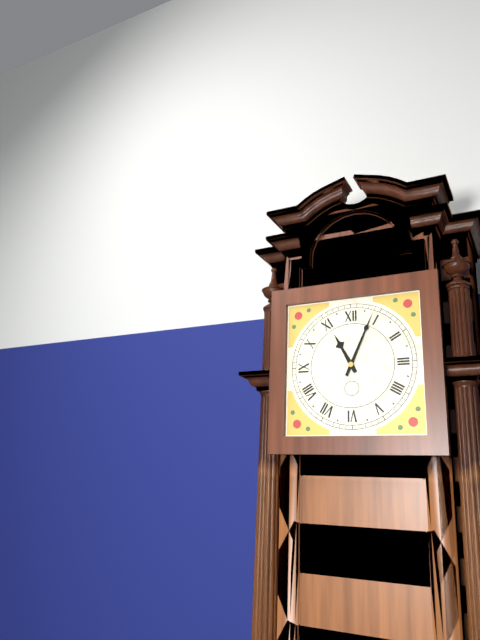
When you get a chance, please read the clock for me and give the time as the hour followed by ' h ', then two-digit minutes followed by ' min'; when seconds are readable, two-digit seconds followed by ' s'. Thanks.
11 h 04 min
